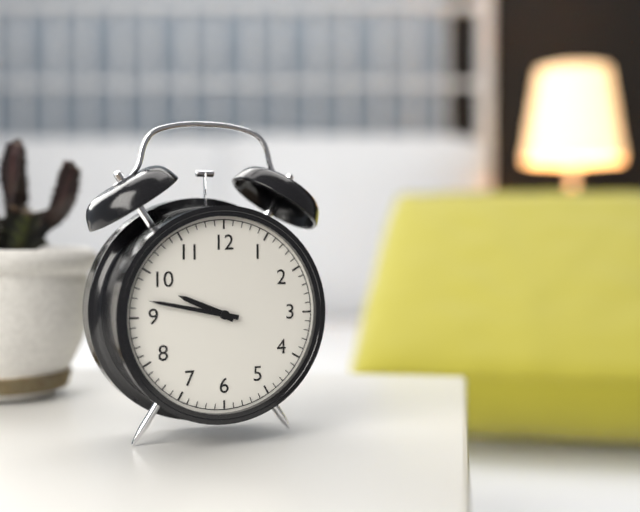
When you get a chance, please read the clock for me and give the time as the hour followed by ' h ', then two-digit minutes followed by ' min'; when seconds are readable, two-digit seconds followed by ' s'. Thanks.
9 h 47 min
